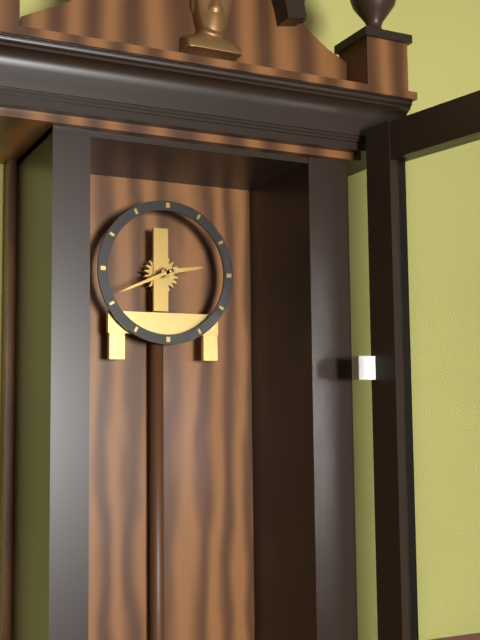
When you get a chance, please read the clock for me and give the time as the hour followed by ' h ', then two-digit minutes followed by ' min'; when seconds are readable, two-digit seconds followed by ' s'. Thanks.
2 h 41 min
